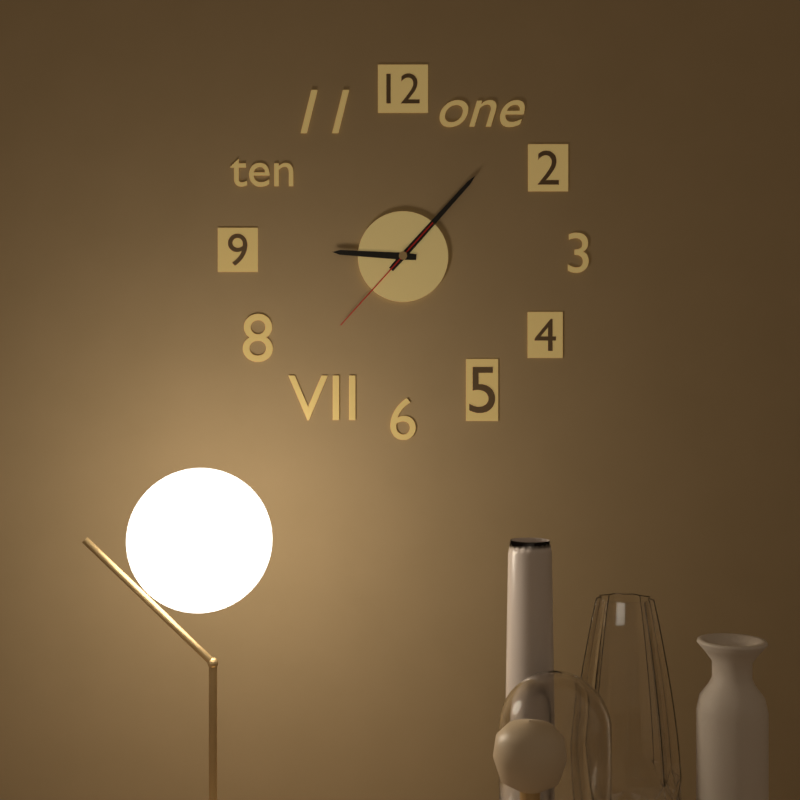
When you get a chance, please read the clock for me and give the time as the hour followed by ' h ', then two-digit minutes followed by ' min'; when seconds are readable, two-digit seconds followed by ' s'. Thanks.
9 h 07 min 37 s
